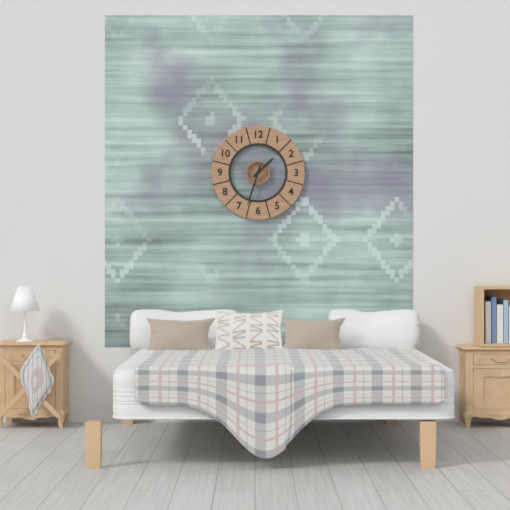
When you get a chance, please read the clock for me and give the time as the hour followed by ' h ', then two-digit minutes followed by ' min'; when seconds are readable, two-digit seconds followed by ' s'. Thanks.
1 h 33 min
